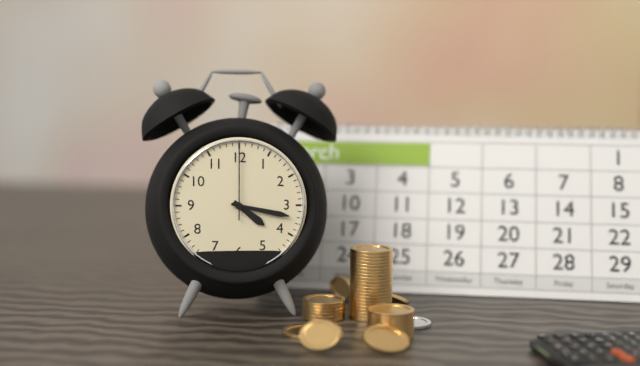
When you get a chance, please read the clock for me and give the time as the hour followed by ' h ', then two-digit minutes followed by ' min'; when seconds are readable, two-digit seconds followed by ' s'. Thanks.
4 h 17 min 00 s
